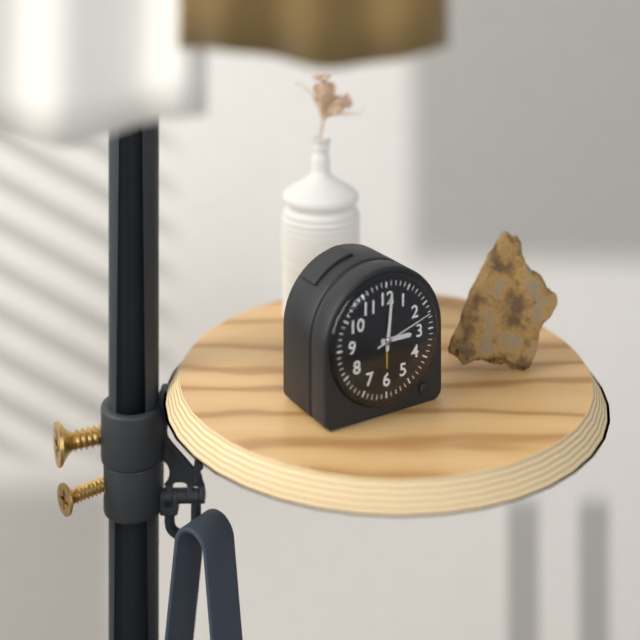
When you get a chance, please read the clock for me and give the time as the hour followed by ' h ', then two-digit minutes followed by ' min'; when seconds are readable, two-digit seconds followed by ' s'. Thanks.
3 h 01 min 12 s
